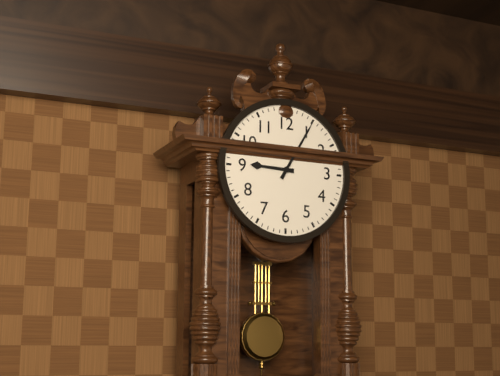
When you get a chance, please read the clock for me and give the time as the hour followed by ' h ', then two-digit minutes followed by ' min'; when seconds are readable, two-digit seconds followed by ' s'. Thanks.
9 h 05 min
